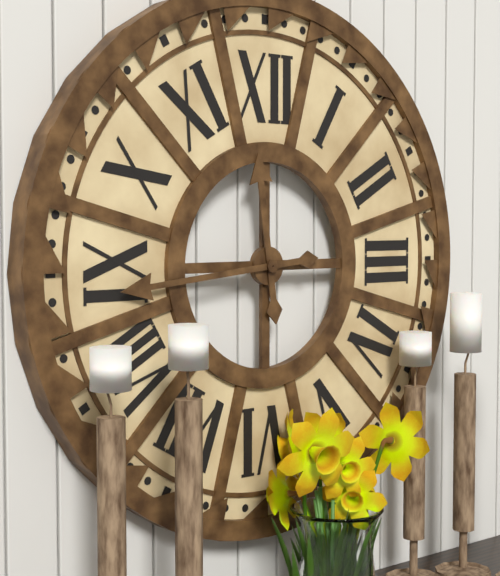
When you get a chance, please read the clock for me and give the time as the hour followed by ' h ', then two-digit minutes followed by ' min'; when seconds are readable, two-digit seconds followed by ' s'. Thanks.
11 h 44 min
